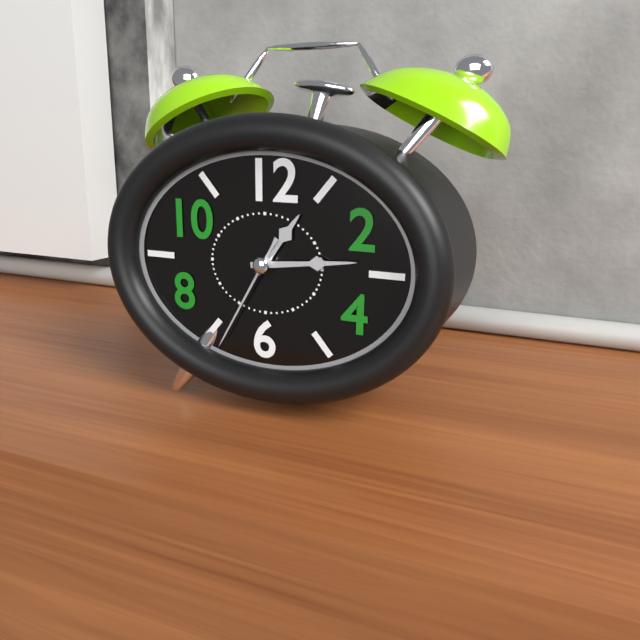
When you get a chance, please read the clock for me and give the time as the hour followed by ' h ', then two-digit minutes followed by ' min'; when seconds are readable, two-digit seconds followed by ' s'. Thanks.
1 h 14 min 35 s
